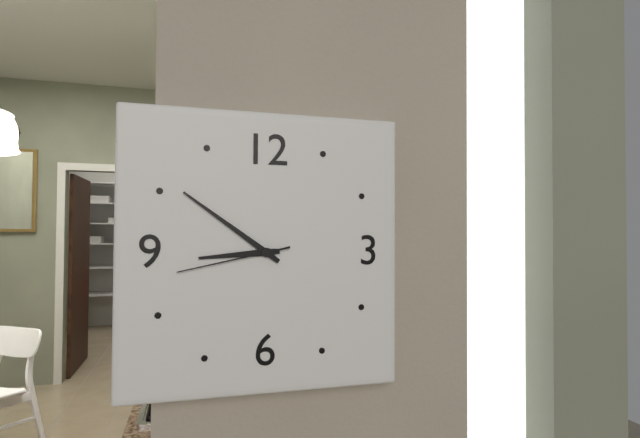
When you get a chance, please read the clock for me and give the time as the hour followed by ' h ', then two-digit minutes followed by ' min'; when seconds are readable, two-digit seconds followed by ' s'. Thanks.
8 h 51 min 43 s
